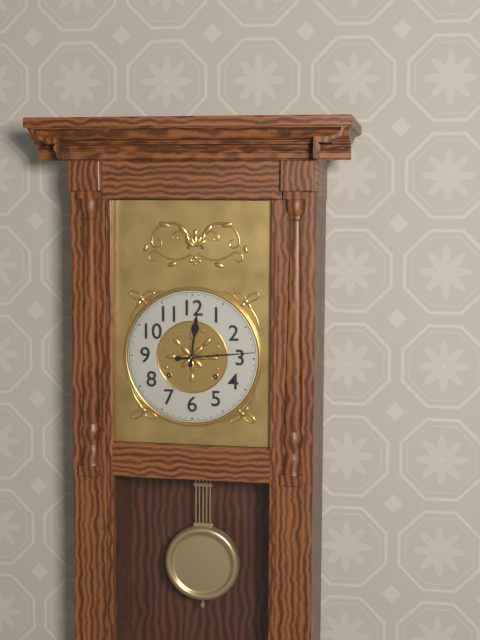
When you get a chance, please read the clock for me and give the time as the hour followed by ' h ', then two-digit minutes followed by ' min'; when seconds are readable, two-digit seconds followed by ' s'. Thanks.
12 h 14 min
